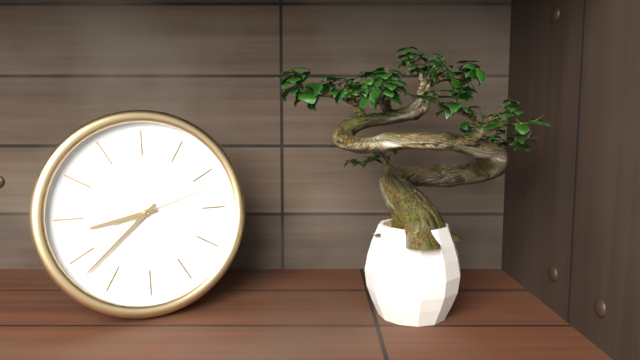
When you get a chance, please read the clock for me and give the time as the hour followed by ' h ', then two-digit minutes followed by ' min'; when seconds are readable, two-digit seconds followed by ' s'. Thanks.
8 h 38 min 12 s
